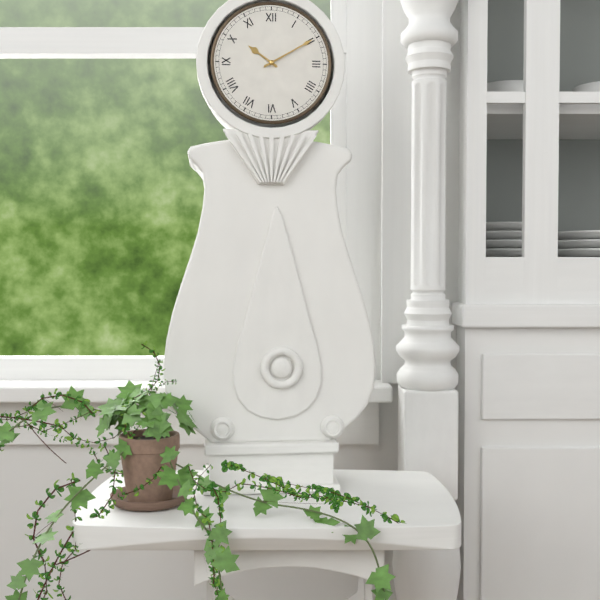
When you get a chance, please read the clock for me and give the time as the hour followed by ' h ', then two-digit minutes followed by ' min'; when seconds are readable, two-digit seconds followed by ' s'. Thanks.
10 h 10 min
